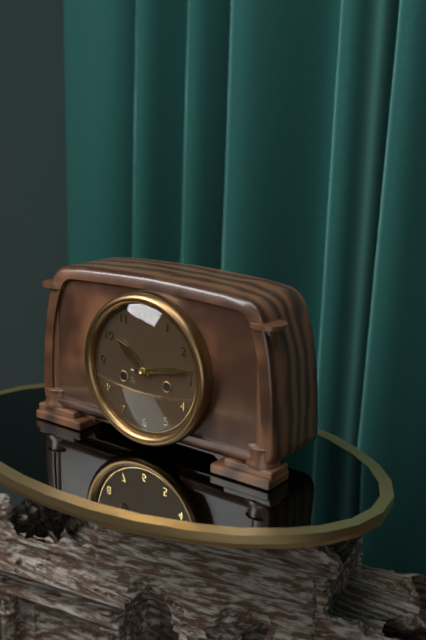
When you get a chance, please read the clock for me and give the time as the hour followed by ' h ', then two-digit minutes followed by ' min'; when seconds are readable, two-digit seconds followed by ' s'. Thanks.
10 h 13 min
